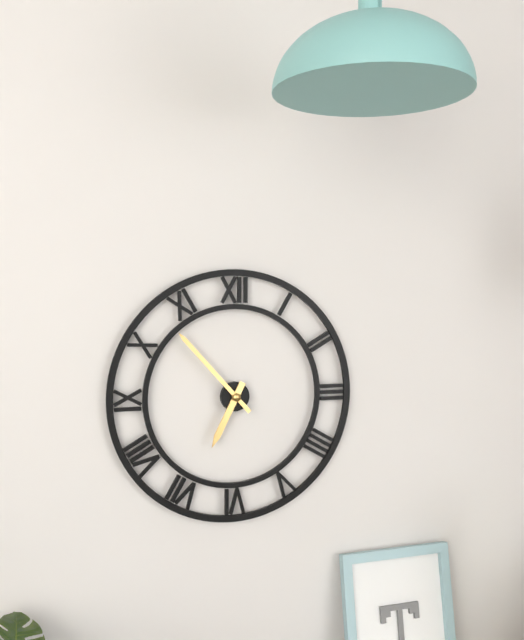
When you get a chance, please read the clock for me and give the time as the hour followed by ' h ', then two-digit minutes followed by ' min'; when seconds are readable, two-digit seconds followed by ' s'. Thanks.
6 h 53 min
